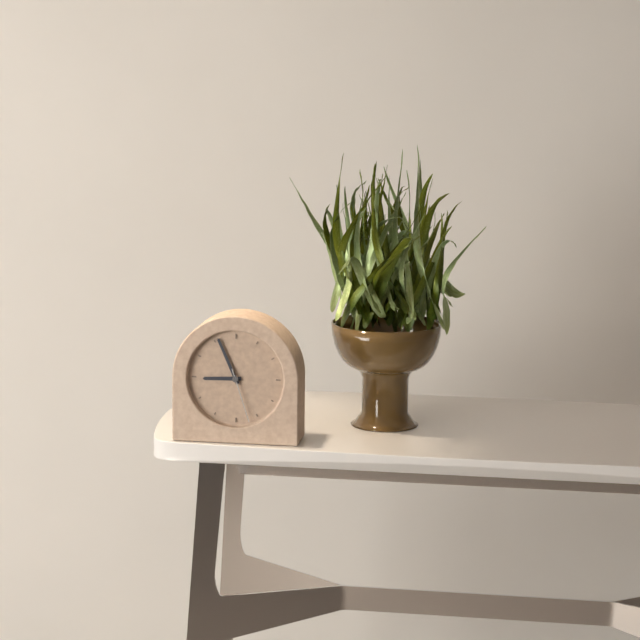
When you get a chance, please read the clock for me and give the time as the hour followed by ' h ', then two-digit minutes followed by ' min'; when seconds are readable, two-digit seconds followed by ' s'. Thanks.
8 h 56 min 27 s
